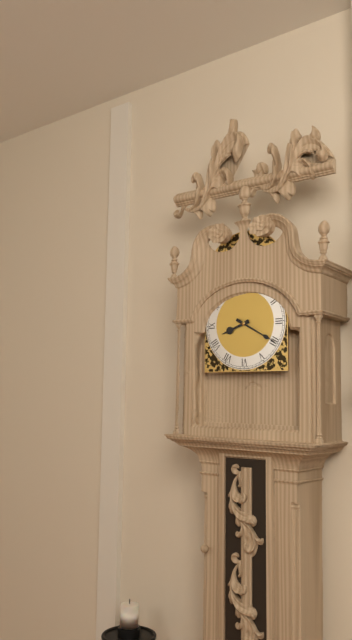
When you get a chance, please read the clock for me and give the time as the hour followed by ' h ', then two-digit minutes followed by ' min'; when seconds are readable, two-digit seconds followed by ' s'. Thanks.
8 h 20 min
